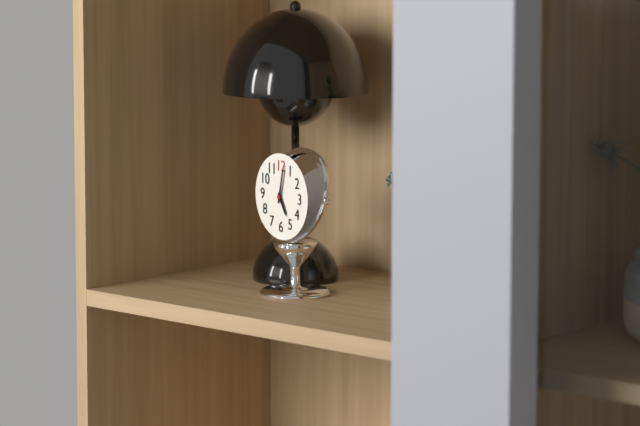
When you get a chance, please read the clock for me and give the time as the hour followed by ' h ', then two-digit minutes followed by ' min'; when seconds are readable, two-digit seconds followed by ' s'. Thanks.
5 h 02 min
